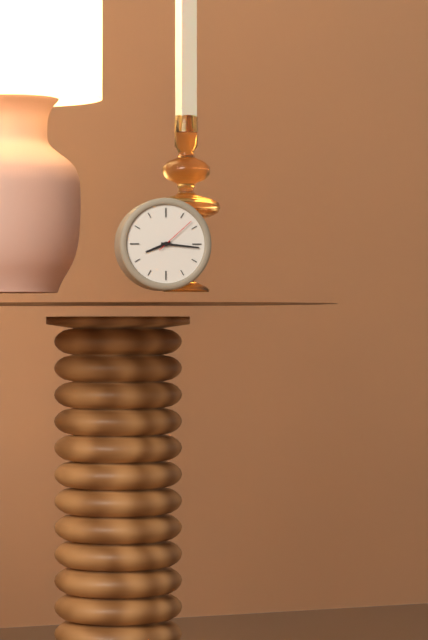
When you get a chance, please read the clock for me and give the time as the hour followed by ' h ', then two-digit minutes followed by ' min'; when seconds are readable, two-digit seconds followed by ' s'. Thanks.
8 h 16 min
